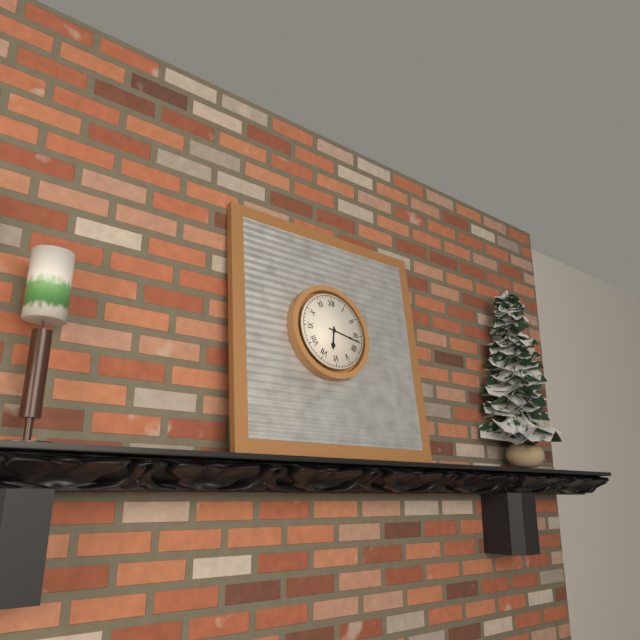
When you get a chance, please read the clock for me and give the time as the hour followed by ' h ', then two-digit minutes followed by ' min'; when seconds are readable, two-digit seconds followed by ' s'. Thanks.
6 h 17 min
